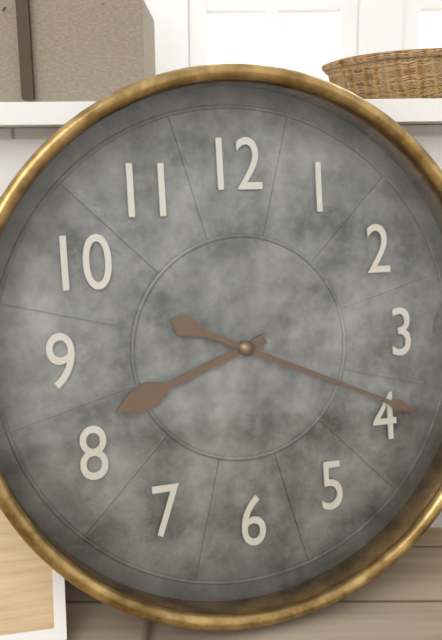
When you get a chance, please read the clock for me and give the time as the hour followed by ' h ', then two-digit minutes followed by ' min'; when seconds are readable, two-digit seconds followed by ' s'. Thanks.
8 h 19 min
